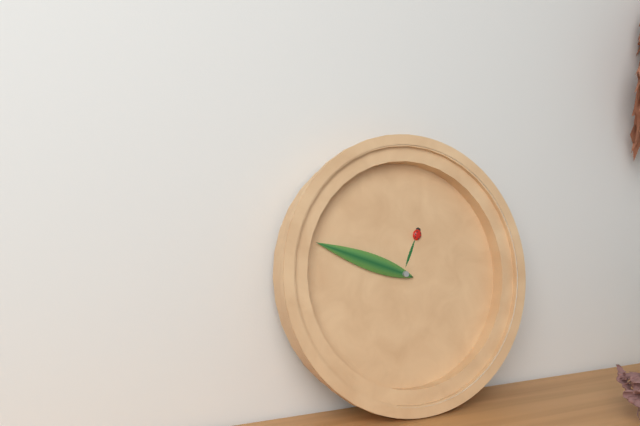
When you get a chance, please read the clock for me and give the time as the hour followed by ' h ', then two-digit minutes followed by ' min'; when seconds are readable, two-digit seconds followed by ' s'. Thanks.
12 h 48 min
